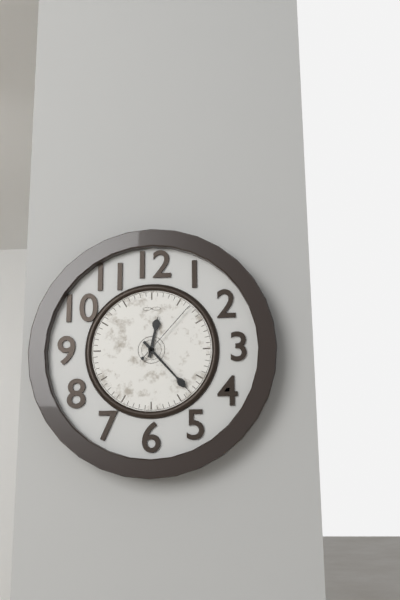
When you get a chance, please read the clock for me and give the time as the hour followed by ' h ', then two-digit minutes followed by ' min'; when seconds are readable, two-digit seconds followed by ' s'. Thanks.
12 h 23 min 07 s
